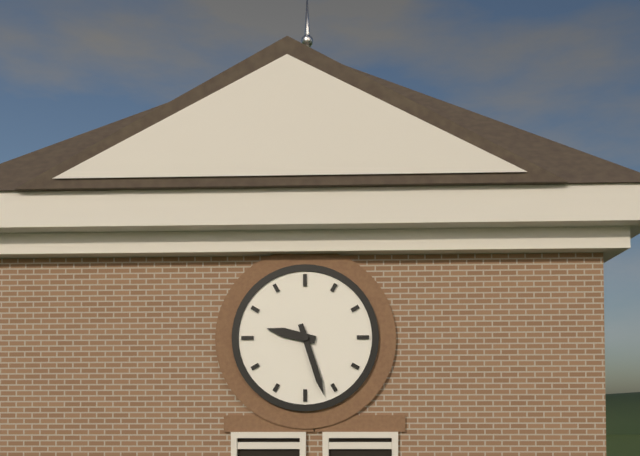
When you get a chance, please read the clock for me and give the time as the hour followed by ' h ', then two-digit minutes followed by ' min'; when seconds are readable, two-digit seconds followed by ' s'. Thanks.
9 h 27 min
